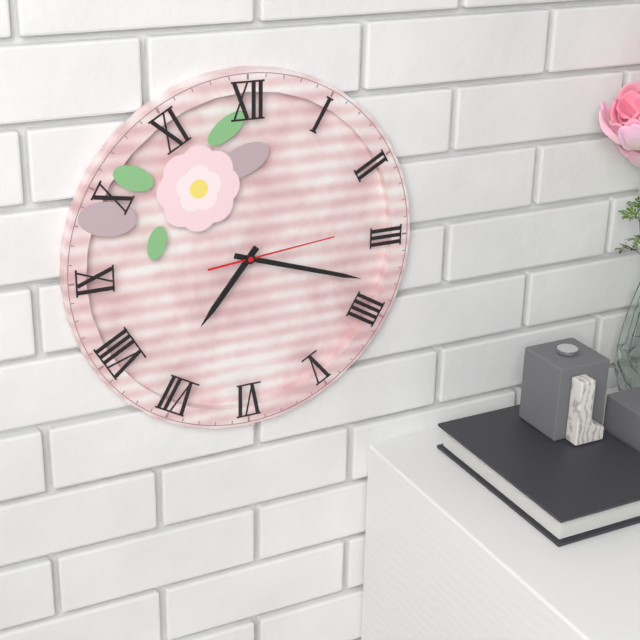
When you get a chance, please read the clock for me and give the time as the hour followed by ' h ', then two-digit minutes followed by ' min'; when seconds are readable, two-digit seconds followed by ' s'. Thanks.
7 h 18 min 14 s
